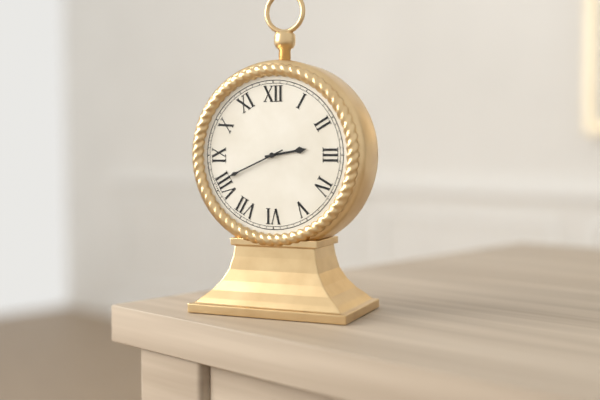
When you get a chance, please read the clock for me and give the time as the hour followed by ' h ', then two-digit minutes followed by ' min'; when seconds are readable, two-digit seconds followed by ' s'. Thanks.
2 h 41 min
